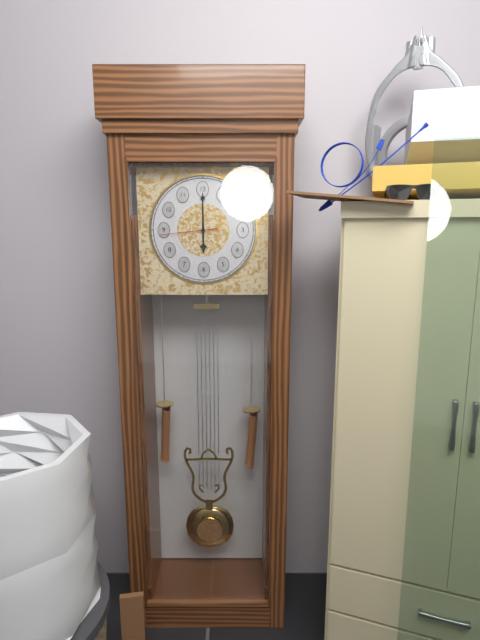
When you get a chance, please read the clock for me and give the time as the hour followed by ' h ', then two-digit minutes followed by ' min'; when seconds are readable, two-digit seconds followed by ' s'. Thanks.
6 h 00 min 44 s
